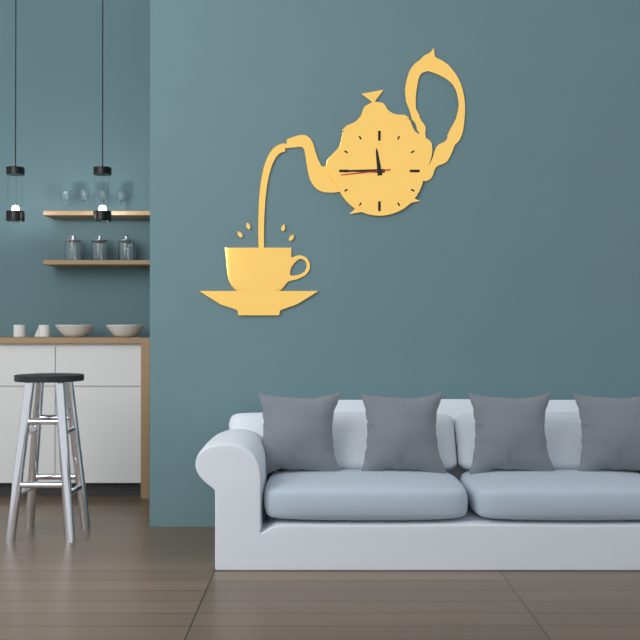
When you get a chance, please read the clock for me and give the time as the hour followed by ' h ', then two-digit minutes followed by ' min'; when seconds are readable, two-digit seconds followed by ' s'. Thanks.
11 h 45 min 44 s
